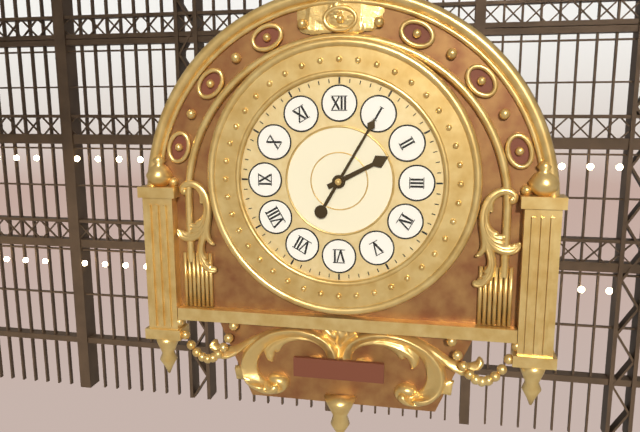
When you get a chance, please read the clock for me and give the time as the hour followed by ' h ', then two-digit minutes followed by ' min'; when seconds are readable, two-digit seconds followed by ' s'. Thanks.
2 h 05 min
